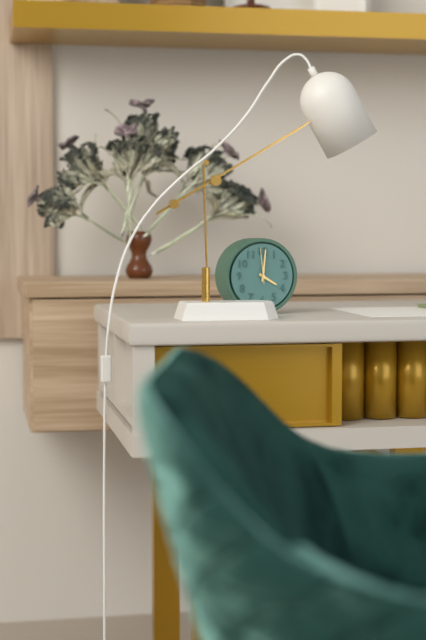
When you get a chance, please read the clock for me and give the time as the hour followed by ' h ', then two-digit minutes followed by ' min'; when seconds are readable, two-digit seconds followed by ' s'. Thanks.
4 h 01 min
